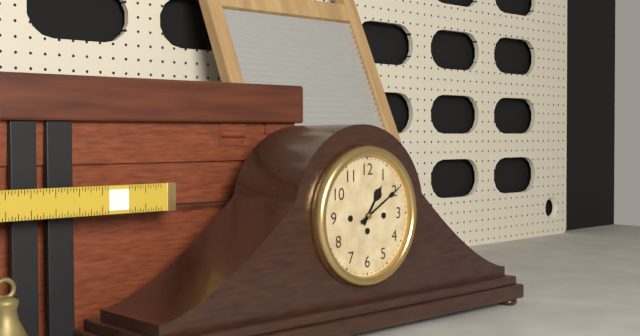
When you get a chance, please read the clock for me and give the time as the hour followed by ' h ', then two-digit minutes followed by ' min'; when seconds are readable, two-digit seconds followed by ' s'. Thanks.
1 h 10 min
